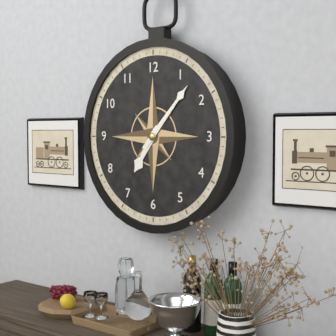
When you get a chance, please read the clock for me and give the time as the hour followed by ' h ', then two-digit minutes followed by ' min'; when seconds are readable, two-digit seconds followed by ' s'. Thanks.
7 h 07 min
